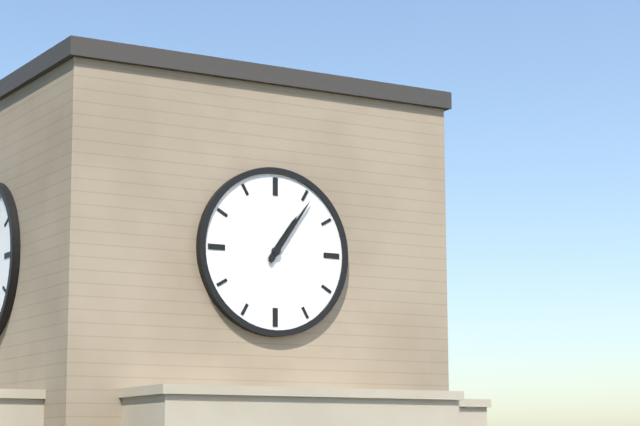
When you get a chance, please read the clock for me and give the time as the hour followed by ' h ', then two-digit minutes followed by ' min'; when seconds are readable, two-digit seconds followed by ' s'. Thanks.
1 h 06 min
